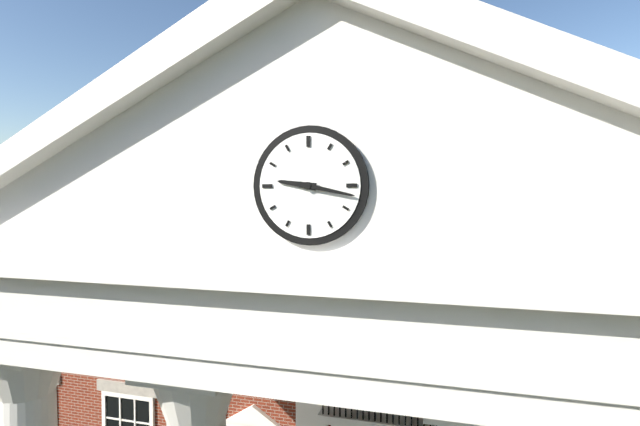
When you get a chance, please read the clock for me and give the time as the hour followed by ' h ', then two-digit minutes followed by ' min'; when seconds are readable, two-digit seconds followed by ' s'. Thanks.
9 h 17 min
